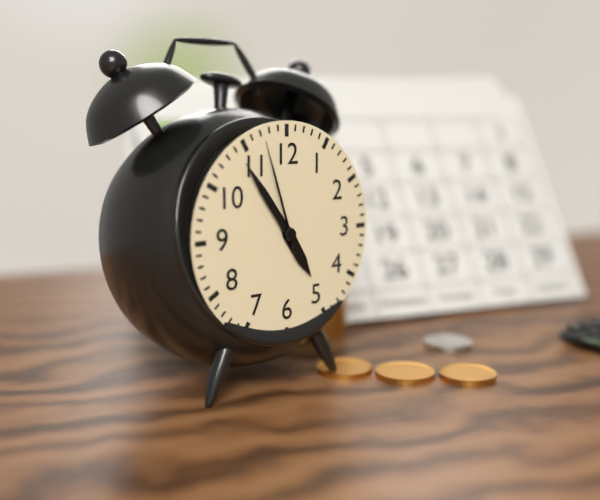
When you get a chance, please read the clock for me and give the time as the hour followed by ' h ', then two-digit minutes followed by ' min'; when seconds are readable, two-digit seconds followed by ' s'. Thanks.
4 h 54 min 57 s
